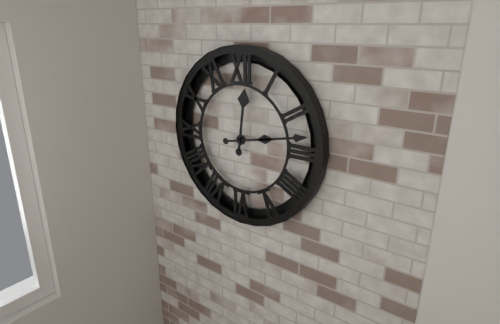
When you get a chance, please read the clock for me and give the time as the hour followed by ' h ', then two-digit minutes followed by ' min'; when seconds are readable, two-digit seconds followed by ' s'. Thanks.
12 h 13 min
